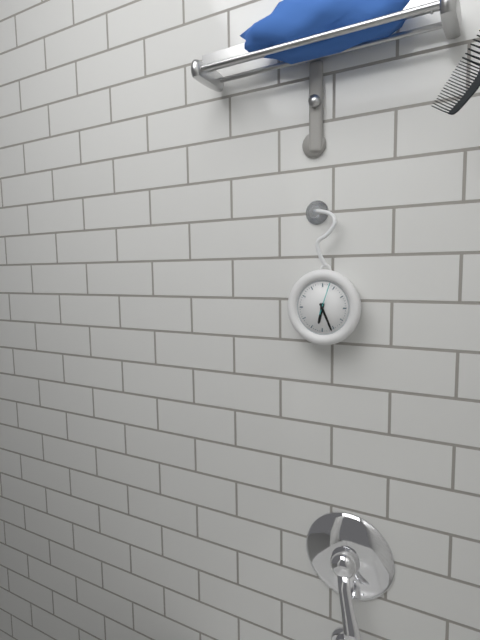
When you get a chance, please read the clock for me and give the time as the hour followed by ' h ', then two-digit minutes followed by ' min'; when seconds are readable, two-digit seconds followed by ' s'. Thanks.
6 h 26 min
